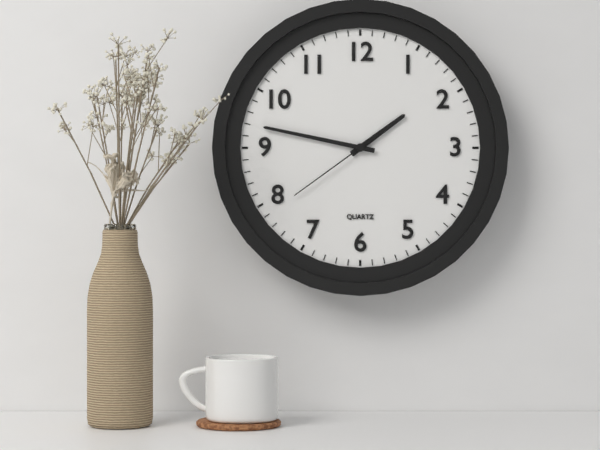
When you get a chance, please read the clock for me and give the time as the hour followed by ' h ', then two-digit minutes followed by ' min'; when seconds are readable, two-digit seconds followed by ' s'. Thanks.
1 h 47 min 39 s
